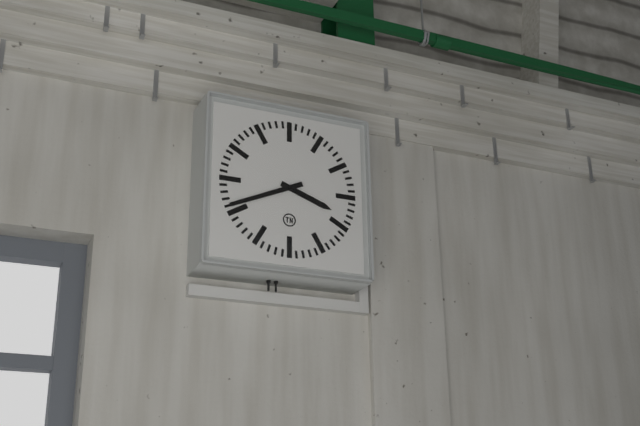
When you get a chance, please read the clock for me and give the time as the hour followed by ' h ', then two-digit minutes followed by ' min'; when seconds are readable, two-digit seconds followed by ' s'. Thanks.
3 h 41 min
